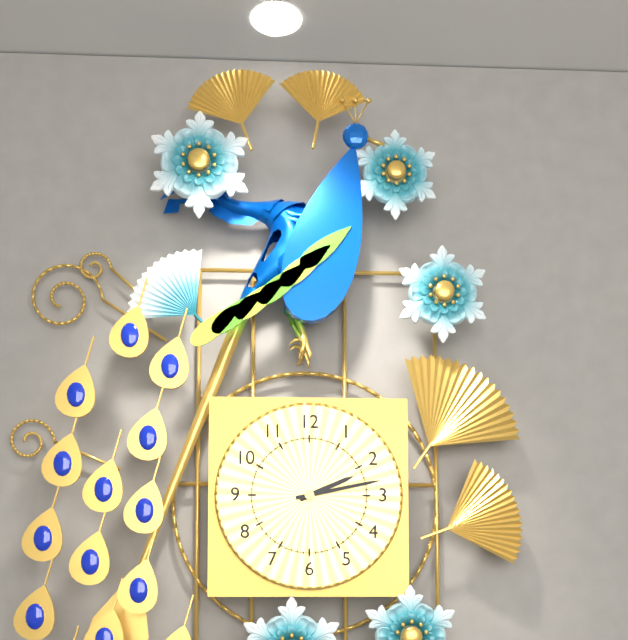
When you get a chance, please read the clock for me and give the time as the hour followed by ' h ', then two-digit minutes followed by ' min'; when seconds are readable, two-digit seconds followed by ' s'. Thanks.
2 h 13 min
